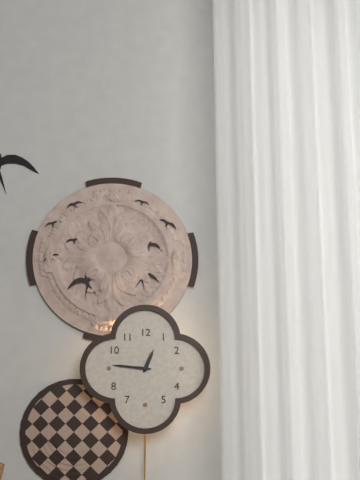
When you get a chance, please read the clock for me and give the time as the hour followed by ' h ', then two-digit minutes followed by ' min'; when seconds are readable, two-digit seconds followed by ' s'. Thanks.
12 h 46 min
